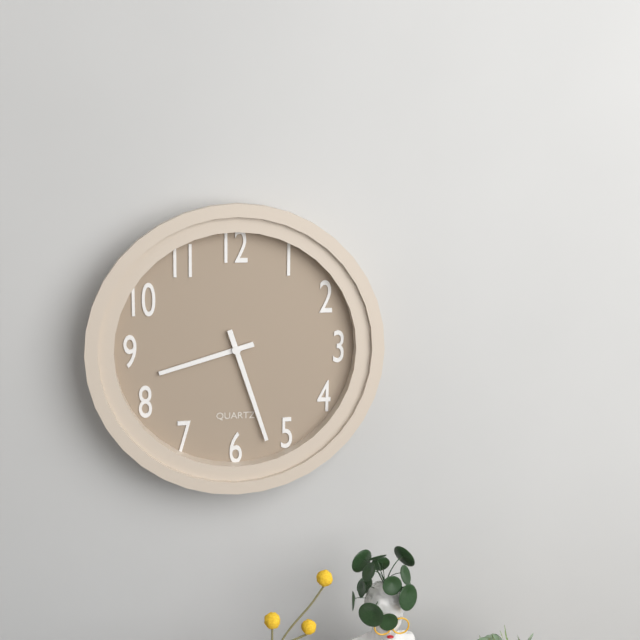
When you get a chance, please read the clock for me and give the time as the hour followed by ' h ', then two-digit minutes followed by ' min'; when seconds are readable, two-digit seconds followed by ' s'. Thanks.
8 h 27 min
